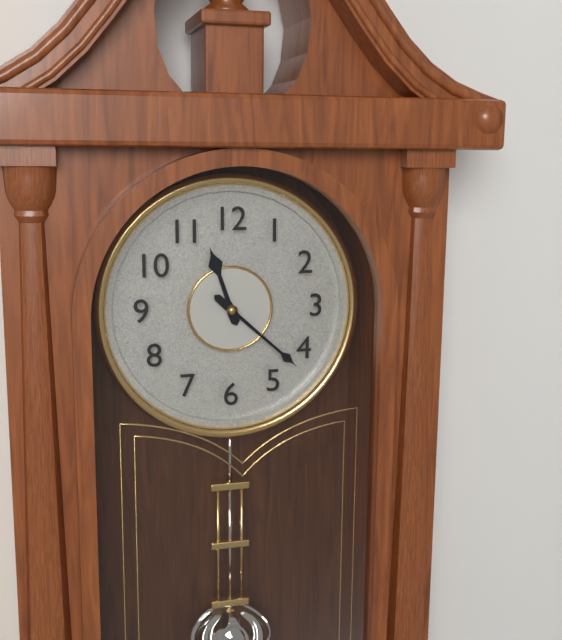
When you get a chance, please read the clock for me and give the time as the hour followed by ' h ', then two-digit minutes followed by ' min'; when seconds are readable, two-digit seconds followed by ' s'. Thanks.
11 h 22 min
